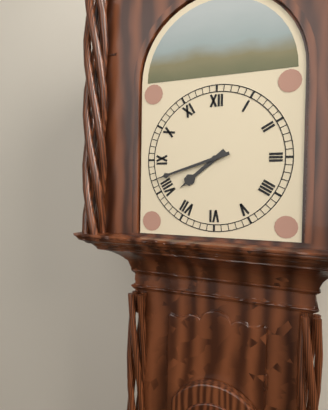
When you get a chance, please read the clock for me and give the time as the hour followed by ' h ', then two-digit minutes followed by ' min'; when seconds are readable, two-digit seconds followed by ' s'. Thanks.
7 h 42 min
